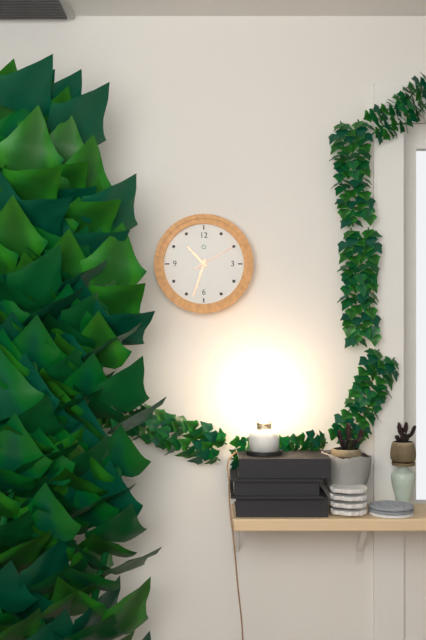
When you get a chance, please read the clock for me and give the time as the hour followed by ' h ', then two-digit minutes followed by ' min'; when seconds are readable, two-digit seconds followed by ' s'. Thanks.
10 h 33 min
